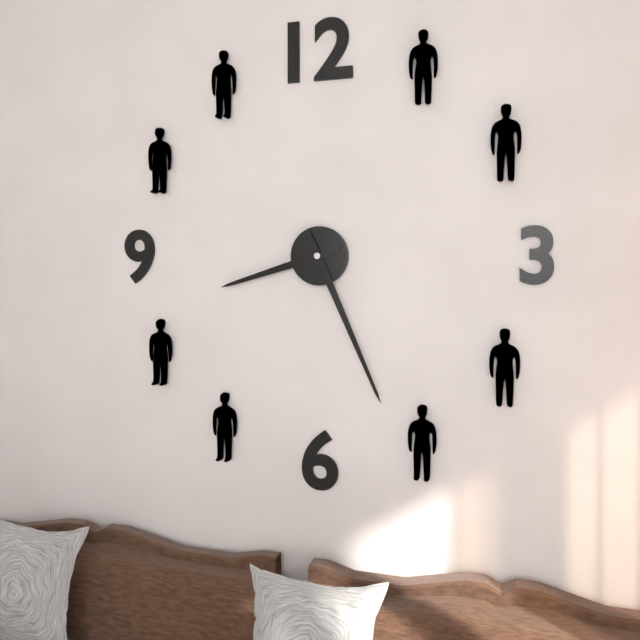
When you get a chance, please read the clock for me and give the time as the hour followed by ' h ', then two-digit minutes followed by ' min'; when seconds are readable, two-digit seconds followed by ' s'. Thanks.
8 h 26 min
